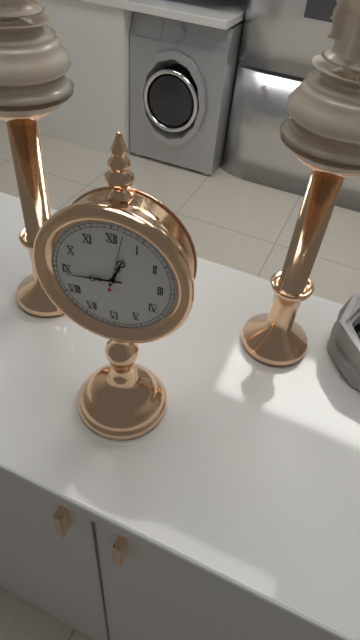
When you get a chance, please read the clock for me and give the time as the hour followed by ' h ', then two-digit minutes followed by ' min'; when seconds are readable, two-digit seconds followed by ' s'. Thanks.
12 h 44 min
